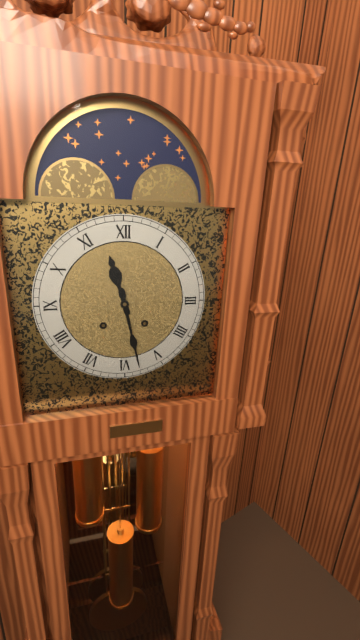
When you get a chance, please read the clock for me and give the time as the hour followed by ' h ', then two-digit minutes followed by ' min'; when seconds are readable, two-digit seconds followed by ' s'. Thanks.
11 h 28 min
